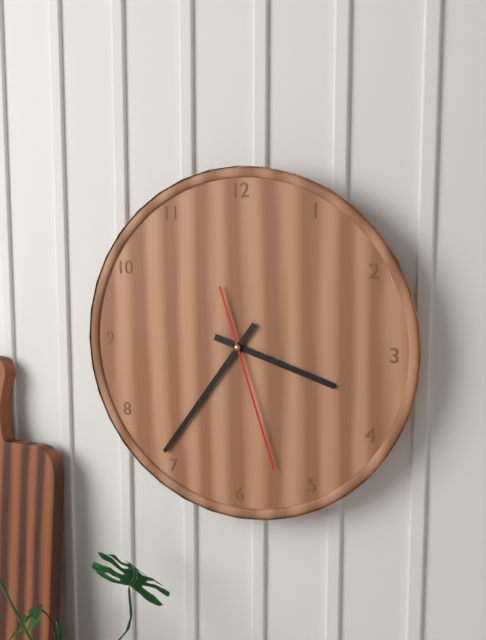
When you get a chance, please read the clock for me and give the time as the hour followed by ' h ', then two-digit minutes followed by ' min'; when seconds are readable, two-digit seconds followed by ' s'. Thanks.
3 h 36 min 27 s
